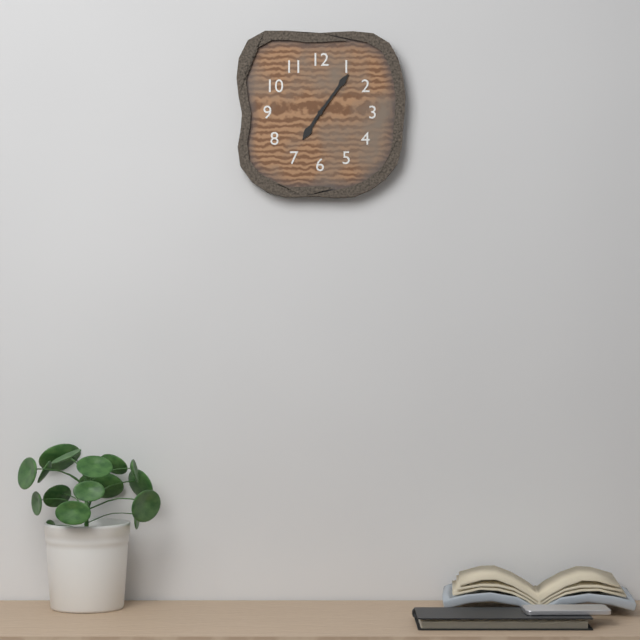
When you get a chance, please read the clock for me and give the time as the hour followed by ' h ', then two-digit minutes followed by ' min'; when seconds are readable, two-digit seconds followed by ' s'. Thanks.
7 h 06 min
